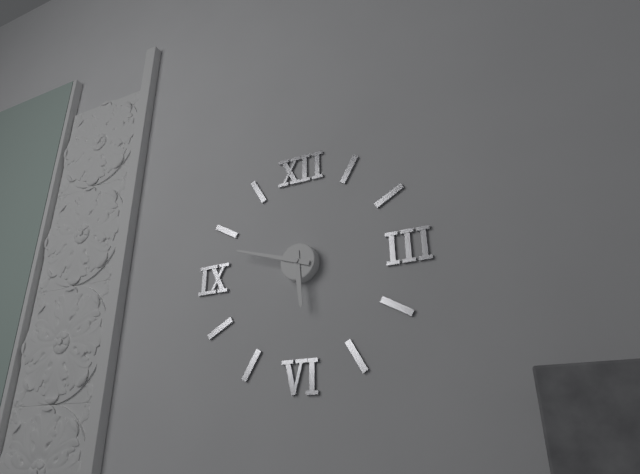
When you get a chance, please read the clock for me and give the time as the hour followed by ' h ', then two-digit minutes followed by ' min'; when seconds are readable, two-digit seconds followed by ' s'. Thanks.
5 h 48 min
